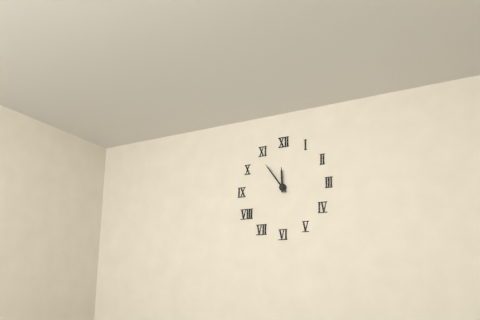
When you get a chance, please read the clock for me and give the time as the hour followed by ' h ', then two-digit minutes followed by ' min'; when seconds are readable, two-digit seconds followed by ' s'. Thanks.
11 h 54 min
